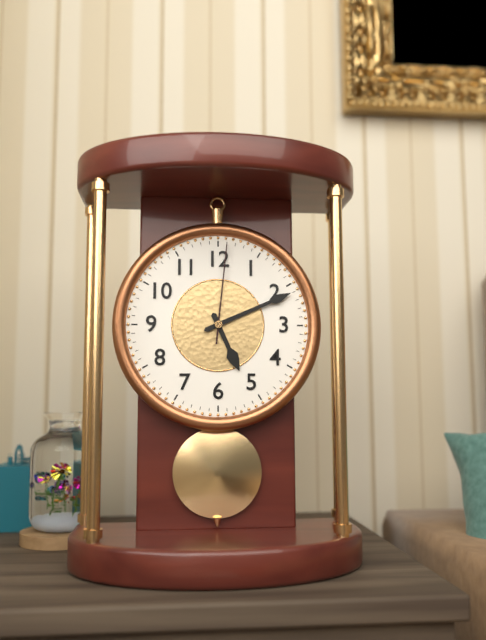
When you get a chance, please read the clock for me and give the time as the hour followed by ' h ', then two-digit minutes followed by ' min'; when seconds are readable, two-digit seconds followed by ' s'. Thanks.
5 h 11 min 01 s
